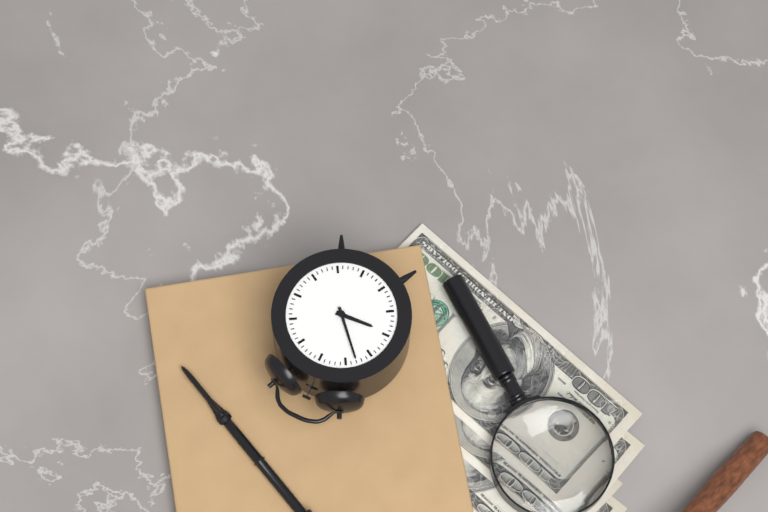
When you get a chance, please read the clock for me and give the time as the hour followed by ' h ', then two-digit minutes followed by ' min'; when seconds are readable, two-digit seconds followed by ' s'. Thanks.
8 h 53 min
